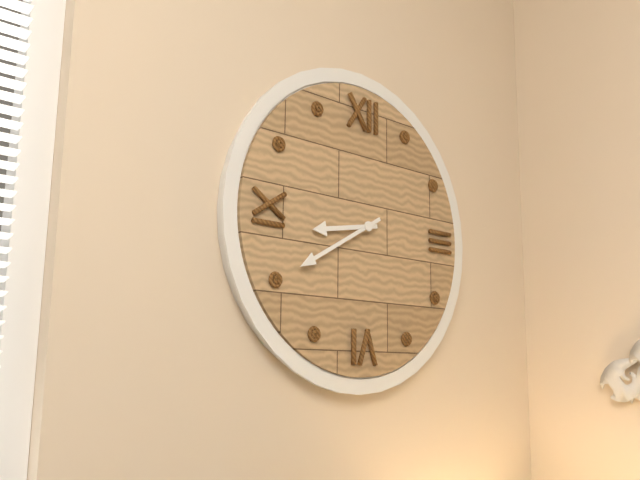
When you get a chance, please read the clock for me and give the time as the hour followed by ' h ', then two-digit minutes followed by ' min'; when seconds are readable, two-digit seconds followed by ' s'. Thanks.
8 h 40 min
